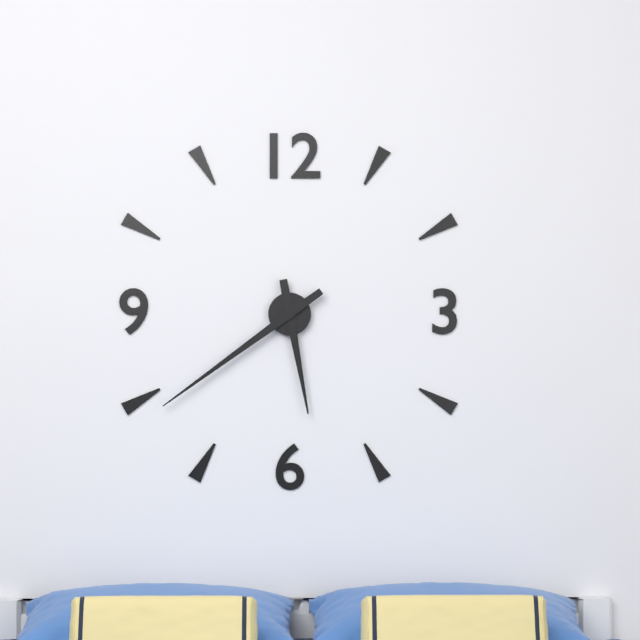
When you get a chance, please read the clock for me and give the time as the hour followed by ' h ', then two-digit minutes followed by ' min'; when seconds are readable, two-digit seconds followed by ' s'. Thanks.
5 h 39 min
